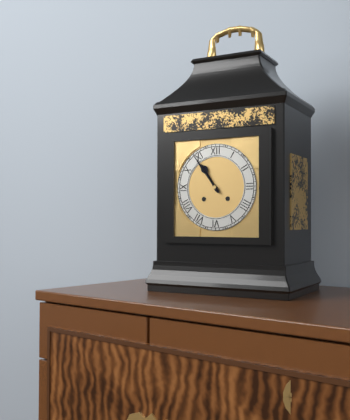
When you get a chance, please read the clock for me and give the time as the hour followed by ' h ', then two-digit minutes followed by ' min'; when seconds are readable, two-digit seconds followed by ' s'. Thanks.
10 h 54 min
